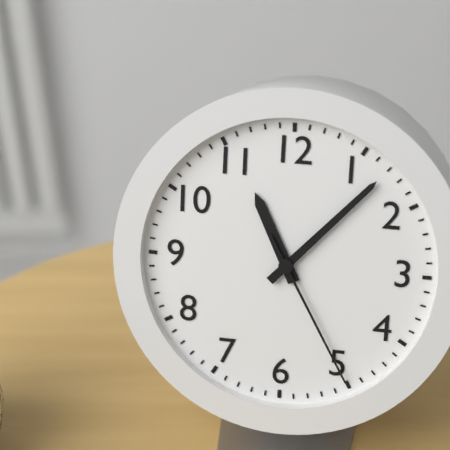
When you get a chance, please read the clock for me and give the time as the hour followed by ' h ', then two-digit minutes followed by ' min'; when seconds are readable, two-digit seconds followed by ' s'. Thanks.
11 h 07 min 25 s
